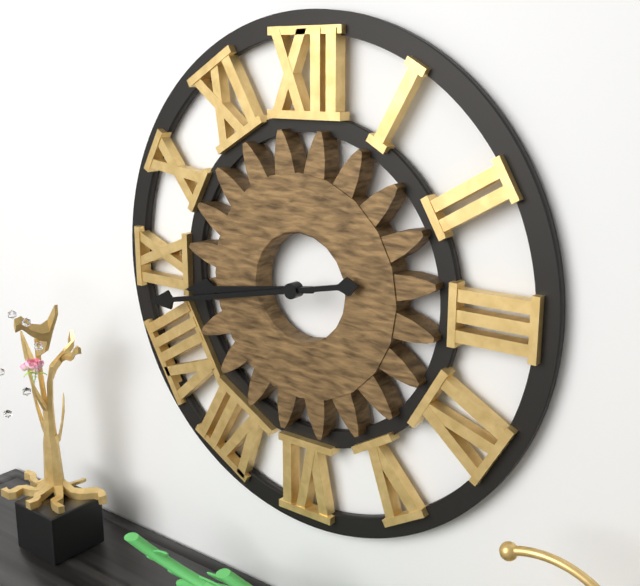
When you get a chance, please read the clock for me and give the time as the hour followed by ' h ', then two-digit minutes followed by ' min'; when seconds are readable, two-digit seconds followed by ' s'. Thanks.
8 h 43 min
